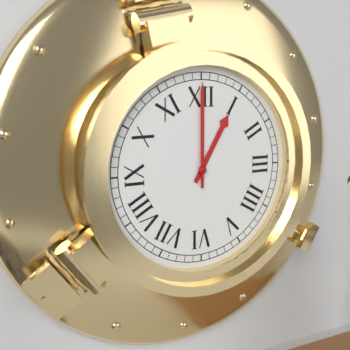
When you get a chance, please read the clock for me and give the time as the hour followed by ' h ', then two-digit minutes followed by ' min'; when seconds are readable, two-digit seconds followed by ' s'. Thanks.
1 h 00 min
